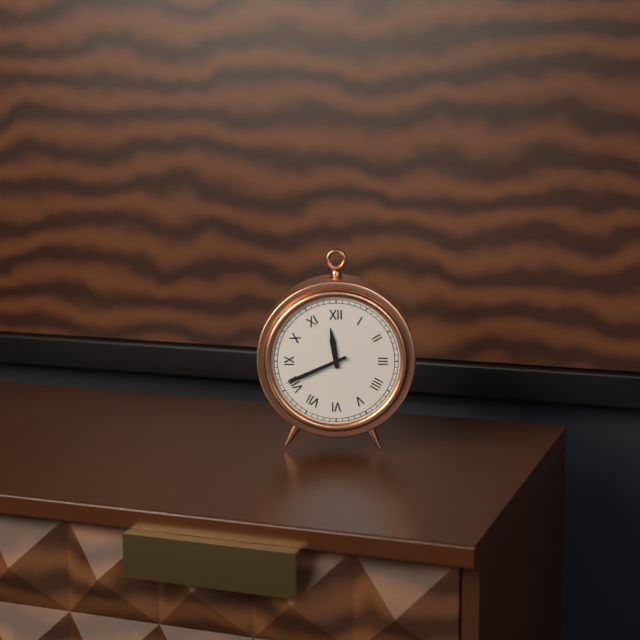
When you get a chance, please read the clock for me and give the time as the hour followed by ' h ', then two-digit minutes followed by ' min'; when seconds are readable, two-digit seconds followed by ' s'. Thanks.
11 h 41 min
